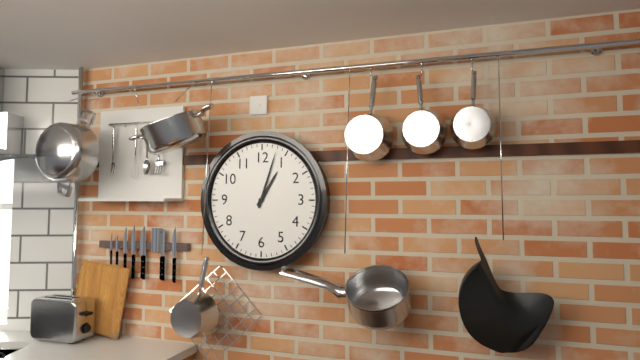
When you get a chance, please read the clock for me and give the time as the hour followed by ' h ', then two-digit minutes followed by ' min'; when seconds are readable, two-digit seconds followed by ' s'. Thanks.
1 h 03 min
